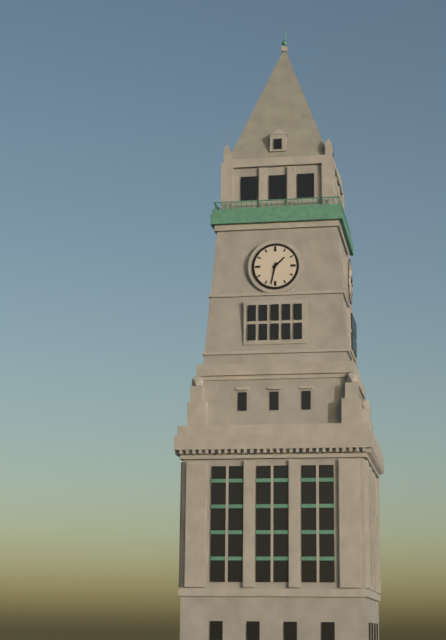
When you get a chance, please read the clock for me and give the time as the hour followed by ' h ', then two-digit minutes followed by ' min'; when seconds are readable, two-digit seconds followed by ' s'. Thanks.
1 h 32 min
